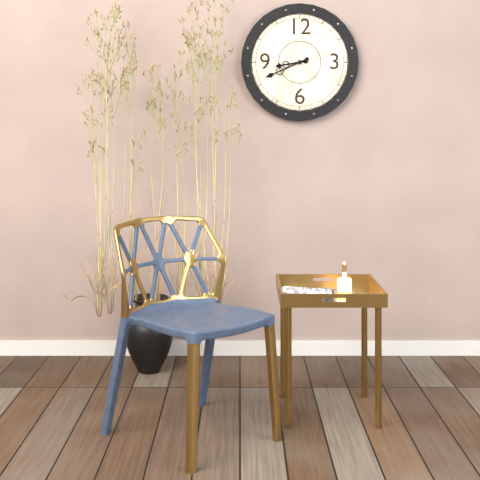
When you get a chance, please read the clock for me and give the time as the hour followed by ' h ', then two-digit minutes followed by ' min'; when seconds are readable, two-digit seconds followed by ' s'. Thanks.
8 h 41 min
